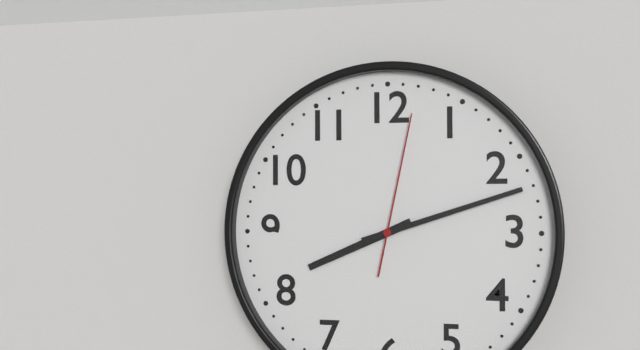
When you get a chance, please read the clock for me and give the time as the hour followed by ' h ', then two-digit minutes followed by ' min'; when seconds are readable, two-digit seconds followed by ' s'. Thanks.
8 h 12 min 02 s
